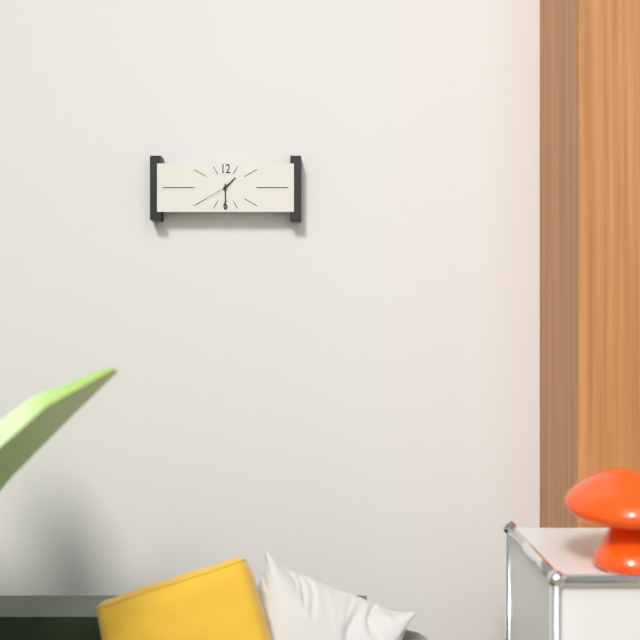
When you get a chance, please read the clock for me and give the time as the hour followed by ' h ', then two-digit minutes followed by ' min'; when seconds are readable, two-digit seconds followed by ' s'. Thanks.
1 h 30 min
